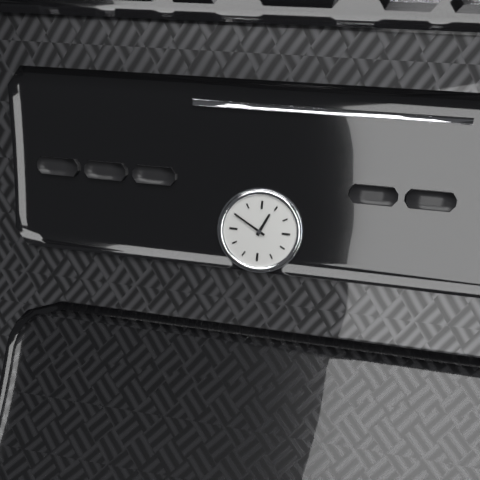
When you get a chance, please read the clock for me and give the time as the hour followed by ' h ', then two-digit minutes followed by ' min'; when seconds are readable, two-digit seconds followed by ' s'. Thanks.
12 h 50 min
